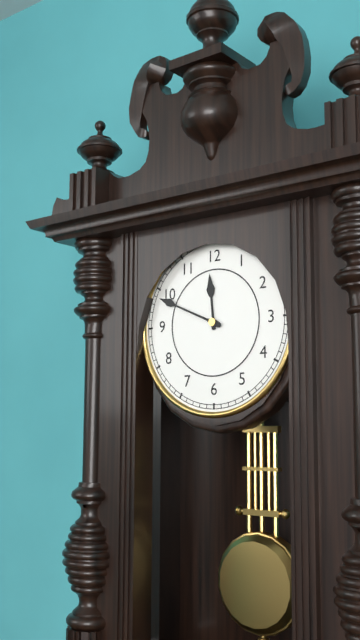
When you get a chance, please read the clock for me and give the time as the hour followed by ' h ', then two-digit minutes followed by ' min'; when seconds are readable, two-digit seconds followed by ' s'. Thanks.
11 h 49 min
